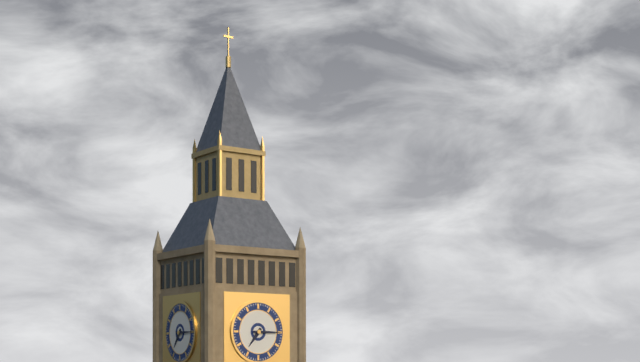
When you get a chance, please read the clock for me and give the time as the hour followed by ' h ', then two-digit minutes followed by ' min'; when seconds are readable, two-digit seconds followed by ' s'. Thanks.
7 h 15 min
